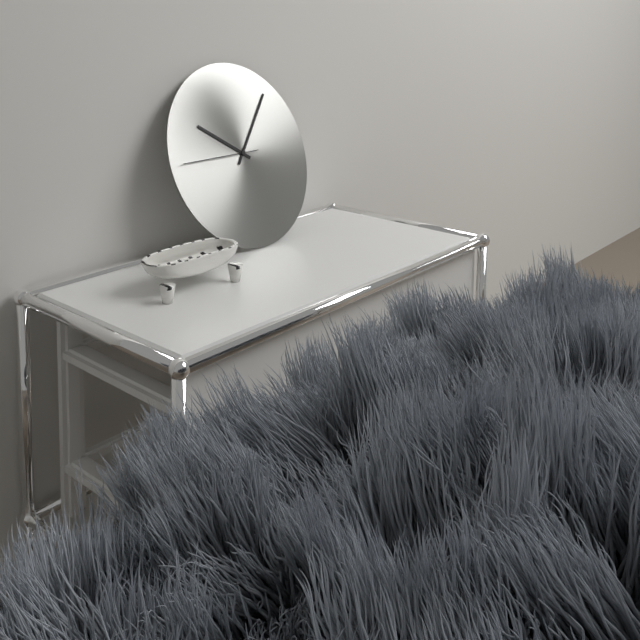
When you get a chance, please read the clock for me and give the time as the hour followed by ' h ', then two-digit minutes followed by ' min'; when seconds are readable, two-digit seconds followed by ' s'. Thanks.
10 h 07 min 45 s
